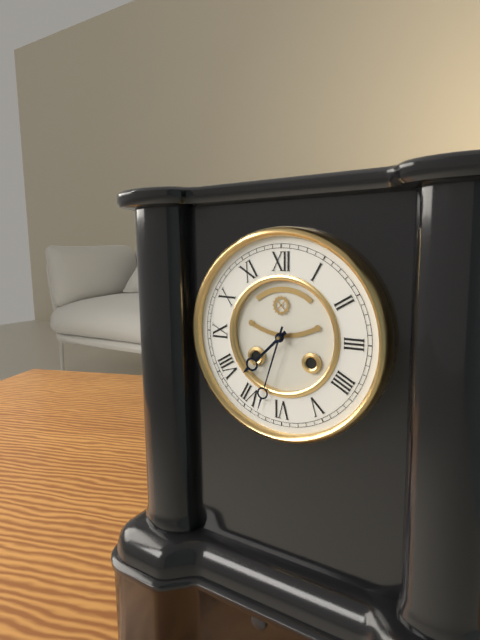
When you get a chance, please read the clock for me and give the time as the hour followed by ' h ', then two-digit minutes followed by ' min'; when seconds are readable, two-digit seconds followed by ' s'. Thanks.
7 h 33 min
